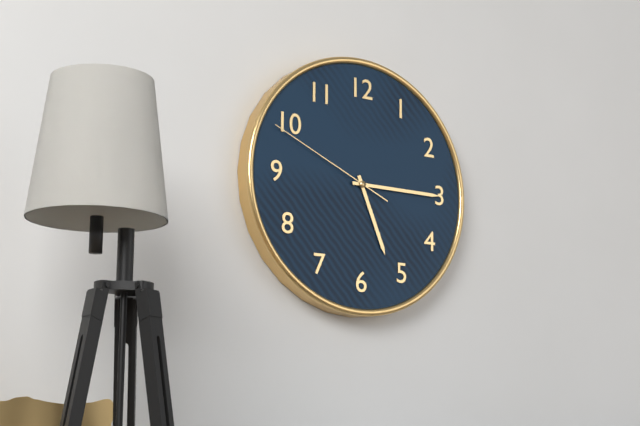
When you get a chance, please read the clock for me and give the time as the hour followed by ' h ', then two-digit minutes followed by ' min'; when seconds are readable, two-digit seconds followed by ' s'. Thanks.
5 h 15 min 49 s
